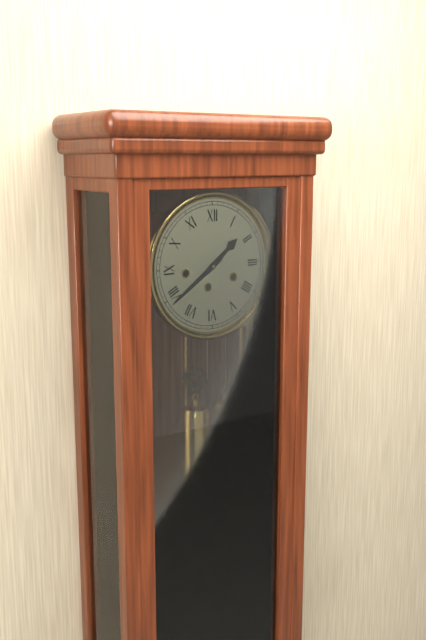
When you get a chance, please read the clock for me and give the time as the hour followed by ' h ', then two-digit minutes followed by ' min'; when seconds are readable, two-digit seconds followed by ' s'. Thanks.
1 h 39 min
